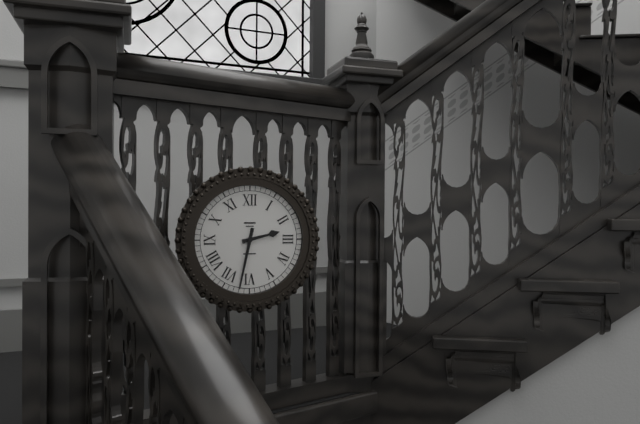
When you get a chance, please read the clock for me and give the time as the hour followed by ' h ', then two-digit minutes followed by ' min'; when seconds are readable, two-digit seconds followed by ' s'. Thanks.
2 h 32 min
